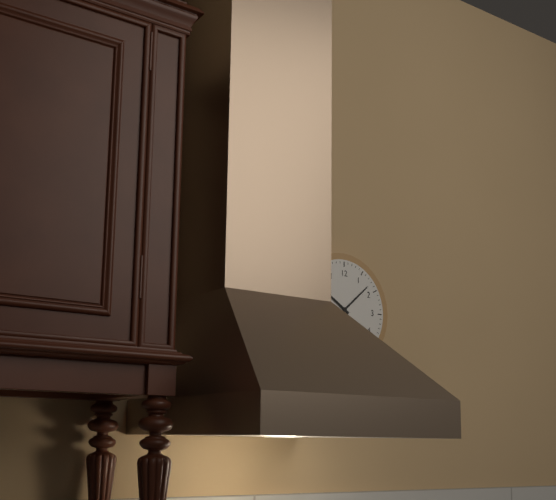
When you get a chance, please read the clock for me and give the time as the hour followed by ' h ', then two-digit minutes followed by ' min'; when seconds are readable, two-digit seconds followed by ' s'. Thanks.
10 h 08 min
